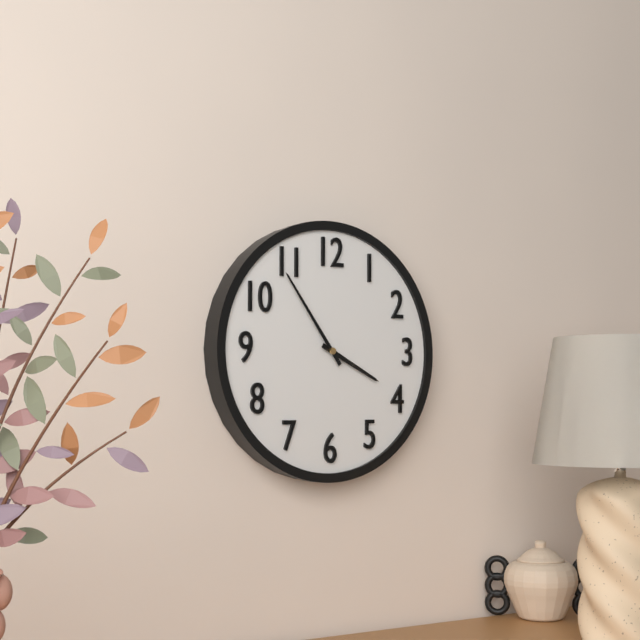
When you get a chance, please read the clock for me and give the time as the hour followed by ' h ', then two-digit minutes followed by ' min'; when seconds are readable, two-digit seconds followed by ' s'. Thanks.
3 h 54 min
